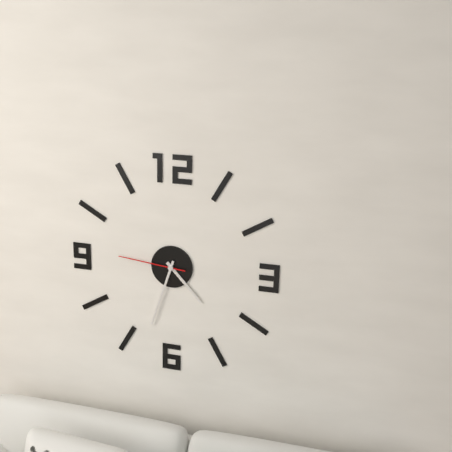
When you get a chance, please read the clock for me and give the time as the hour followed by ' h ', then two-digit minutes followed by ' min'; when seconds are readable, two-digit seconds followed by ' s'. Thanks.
4 h 33 min 46 s
